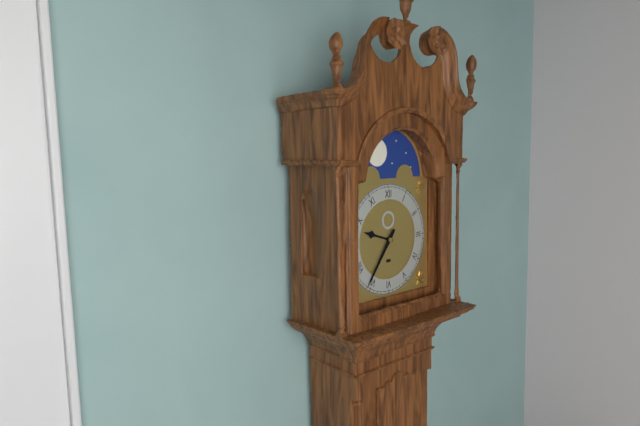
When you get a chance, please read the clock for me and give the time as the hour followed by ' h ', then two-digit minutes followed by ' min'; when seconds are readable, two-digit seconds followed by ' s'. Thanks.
9 h 36 min
